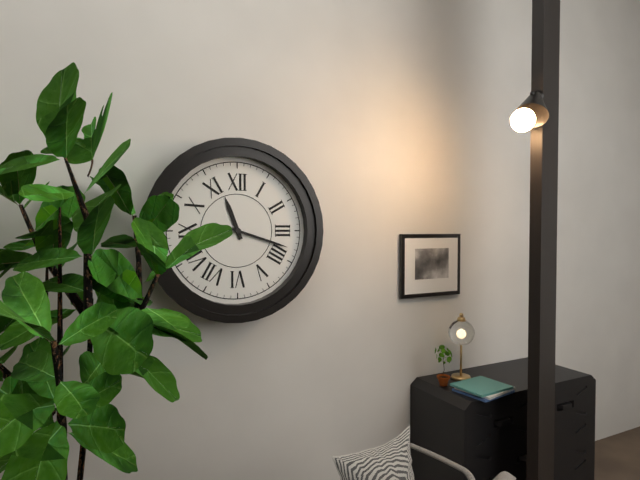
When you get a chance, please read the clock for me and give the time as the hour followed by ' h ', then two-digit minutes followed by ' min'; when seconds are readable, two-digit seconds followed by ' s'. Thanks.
11 h 18 min
